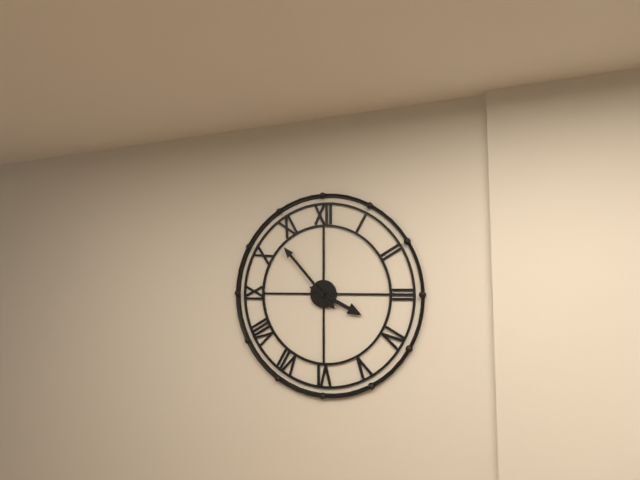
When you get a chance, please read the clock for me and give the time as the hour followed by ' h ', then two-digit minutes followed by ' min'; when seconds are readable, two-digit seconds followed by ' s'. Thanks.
3 h 53 min
